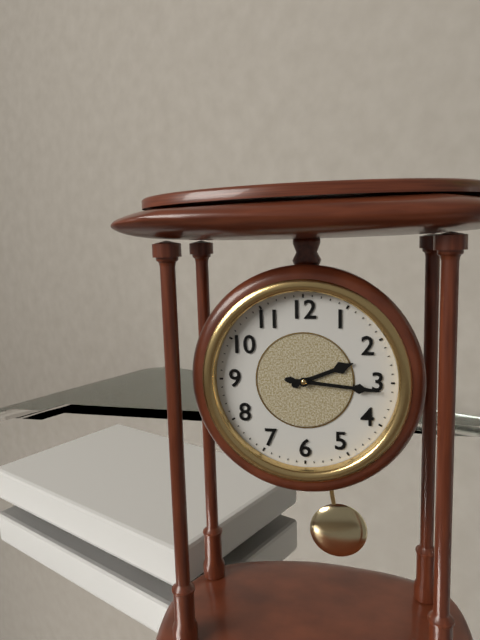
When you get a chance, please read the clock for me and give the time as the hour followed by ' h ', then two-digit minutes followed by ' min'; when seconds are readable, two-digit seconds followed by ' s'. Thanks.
2 h 16 min
